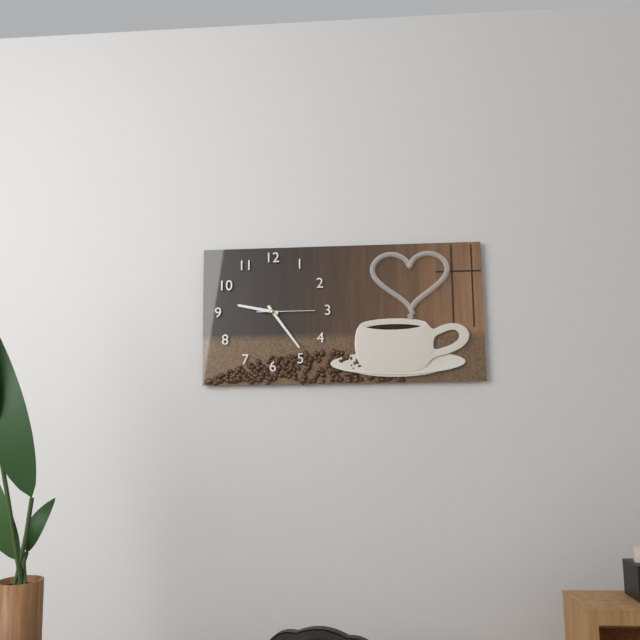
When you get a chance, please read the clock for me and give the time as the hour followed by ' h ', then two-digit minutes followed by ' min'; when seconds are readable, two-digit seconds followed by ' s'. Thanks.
9 h 24 min 15 s
